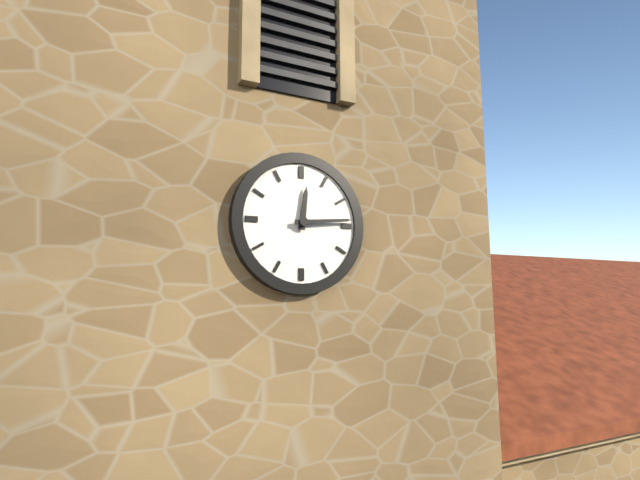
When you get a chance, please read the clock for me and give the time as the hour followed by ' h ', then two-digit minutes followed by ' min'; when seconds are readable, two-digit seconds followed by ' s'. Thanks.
12 h 14 min
